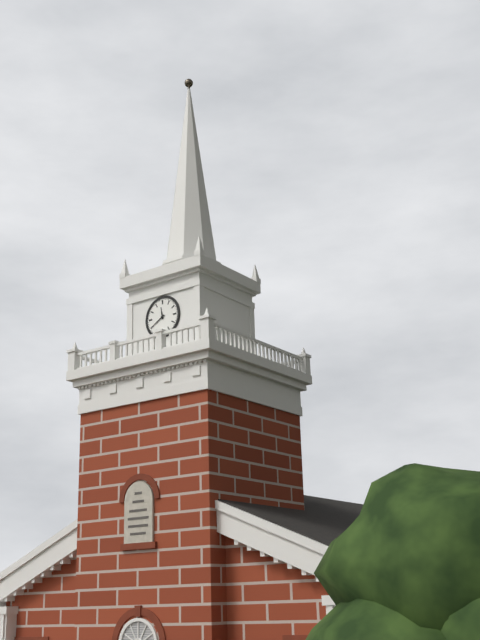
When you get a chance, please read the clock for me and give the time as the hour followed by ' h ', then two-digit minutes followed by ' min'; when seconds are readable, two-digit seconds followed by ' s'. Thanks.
11 h 40 min
